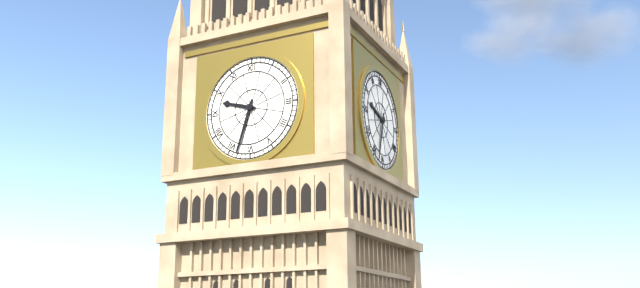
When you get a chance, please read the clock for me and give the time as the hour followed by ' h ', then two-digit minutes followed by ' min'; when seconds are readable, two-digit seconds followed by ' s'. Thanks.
9 h 33 min
